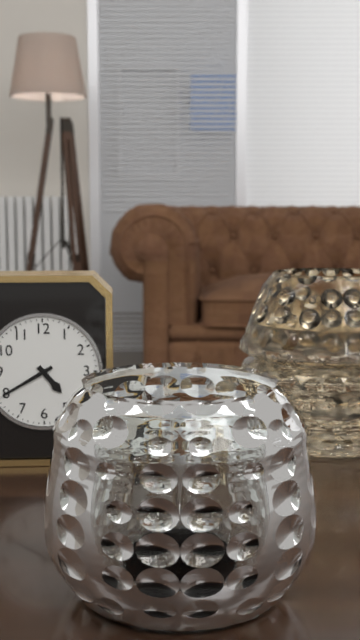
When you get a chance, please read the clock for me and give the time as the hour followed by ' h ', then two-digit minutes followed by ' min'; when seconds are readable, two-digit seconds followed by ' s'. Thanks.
4 h 40 min
